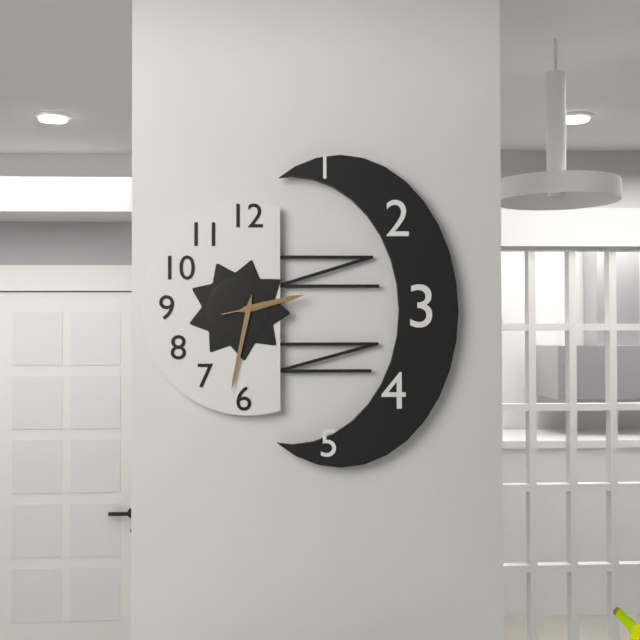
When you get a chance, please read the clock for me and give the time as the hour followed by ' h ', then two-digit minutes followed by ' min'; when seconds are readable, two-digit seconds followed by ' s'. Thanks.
2 h 32 min 13 s
